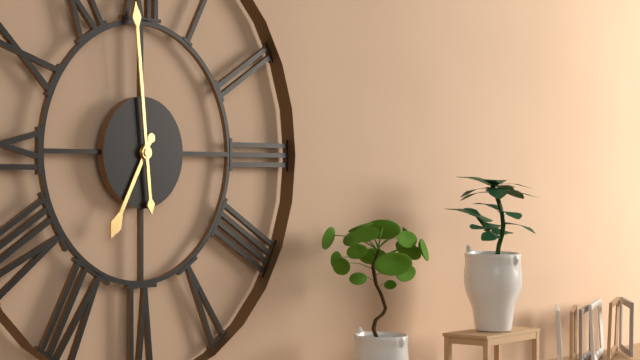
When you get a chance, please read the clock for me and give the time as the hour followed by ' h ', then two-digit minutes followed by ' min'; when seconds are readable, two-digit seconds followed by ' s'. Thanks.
6 h 59 min
